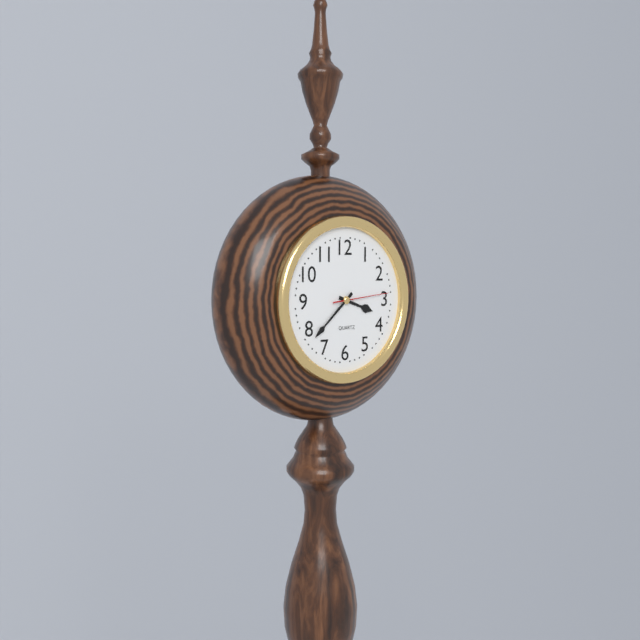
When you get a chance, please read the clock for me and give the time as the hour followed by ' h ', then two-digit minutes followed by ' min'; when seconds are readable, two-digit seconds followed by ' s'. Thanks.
3 h 38 min 14 s
